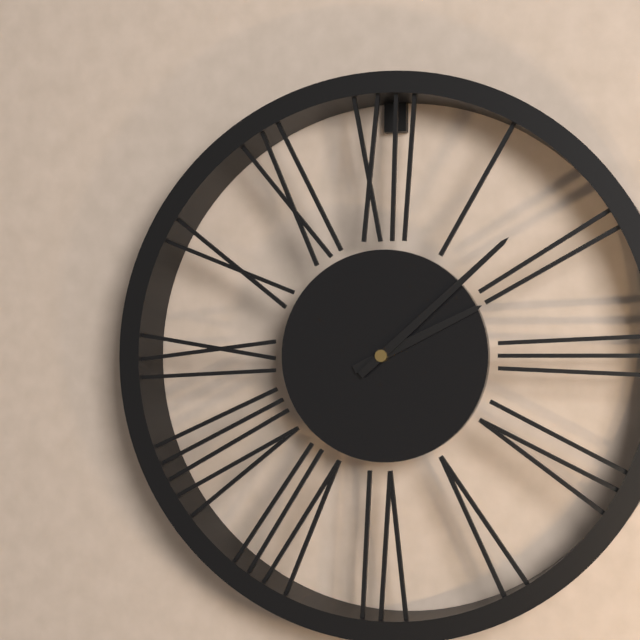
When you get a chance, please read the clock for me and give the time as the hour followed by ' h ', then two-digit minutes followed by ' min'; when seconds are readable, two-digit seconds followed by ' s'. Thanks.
2 h 08 min
